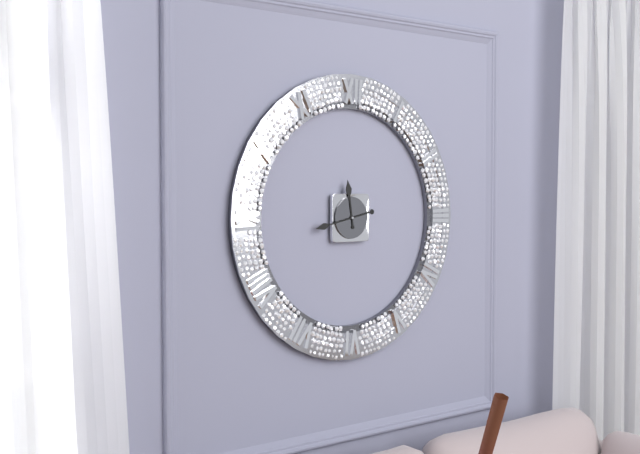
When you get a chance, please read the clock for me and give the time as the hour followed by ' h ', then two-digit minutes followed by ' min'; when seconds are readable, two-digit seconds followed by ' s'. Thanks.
11 h 43 min
